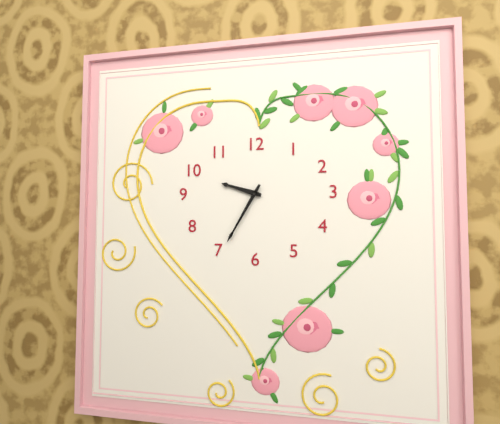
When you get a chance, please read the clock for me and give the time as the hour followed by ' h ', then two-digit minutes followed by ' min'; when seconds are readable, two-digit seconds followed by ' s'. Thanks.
9 h 35 min
